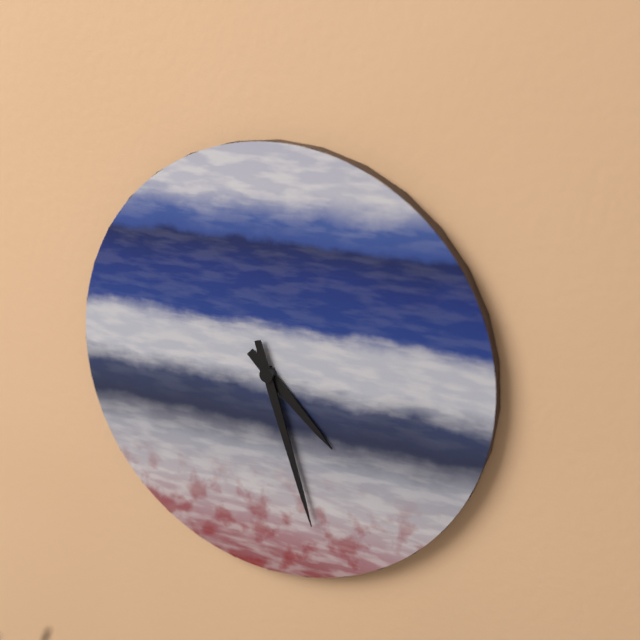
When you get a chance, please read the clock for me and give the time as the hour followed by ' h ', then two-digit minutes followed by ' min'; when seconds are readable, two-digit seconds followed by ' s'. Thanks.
4 h 27 min
